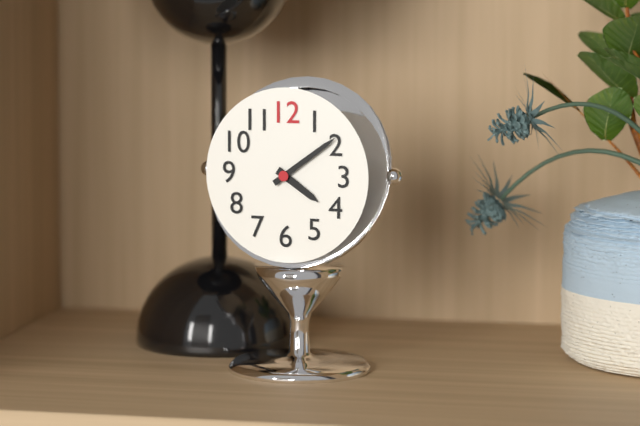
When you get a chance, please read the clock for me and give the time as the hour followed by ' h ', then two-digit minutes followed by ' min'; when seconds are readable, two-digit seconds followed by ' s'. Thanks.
4 h 09 min
